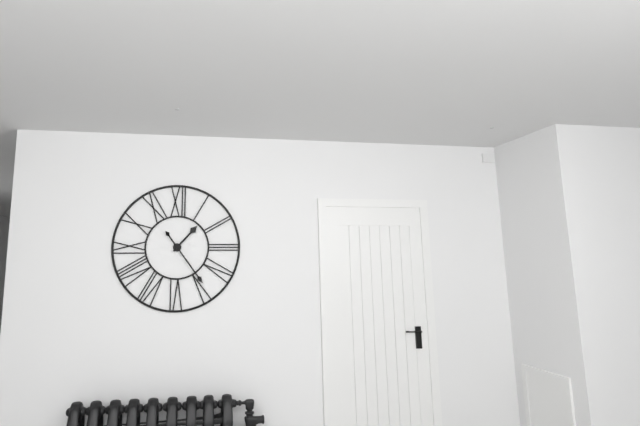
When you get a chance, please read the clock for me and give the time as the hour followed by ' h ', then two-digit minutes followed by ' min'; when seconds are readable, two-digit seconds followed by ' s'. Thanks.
1 h 24 min
